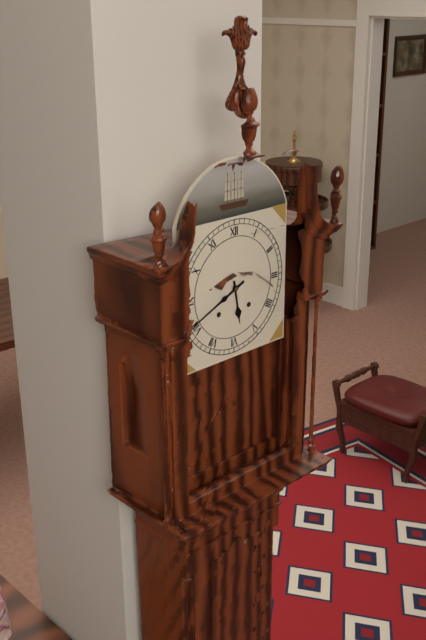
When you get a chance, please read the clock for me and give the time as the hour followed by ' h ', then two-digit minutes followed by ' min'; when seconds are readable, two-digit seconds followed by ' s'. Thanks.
5 h 41 min
